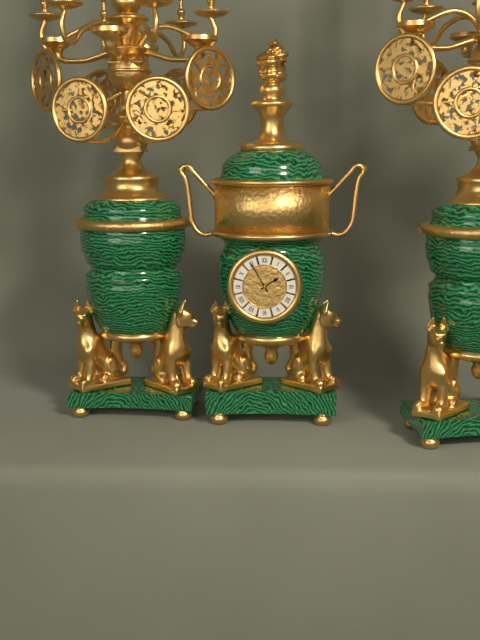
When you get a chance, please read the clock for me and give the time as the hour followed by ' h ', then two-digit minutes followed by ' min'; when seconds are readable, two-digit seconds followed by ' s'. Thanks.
1 h 55 min
